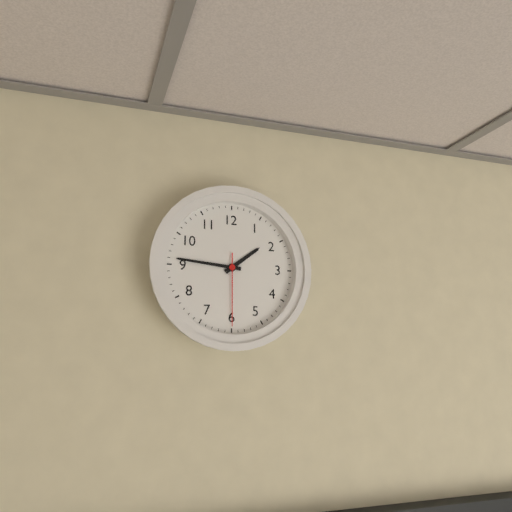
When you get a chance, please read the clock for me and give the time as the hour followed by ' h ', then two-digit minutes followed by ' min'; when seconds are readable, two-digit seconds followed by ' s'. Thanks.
1 h 46 min 30 s
